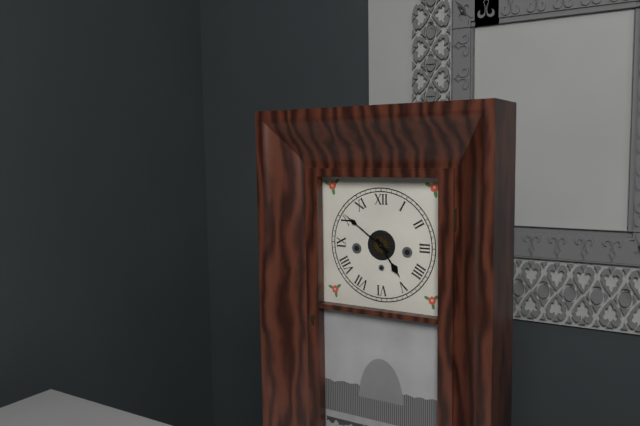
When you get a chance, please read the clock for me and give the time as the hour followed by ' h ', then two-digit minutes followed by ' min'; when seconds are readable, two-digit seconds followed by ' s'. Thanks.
4 h 51 min
